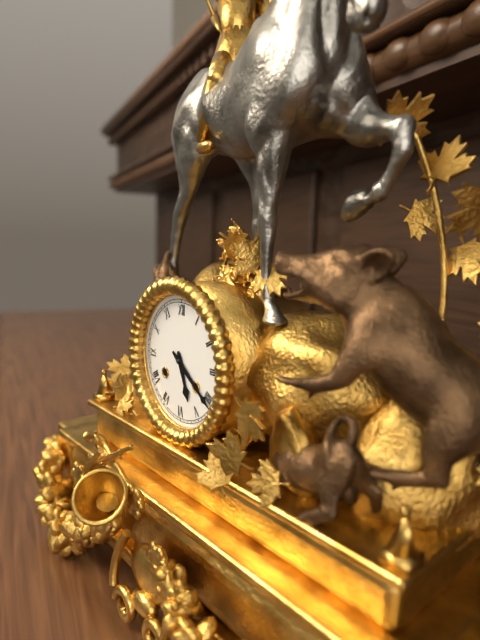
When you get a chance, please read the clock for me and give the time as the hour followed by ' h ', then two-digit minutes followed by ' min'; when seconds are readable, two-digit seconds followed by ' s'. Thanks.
5 h 21 min
